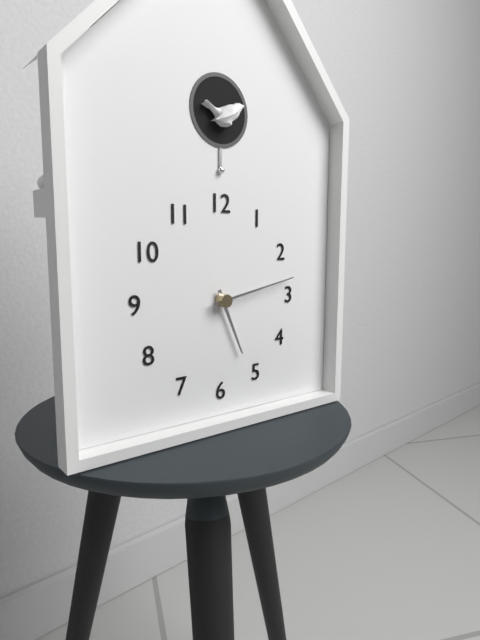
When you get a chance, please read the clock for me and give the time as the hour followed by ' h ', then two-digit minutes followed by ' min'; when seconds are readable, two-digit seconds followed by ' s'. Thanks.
5 h 13 min
